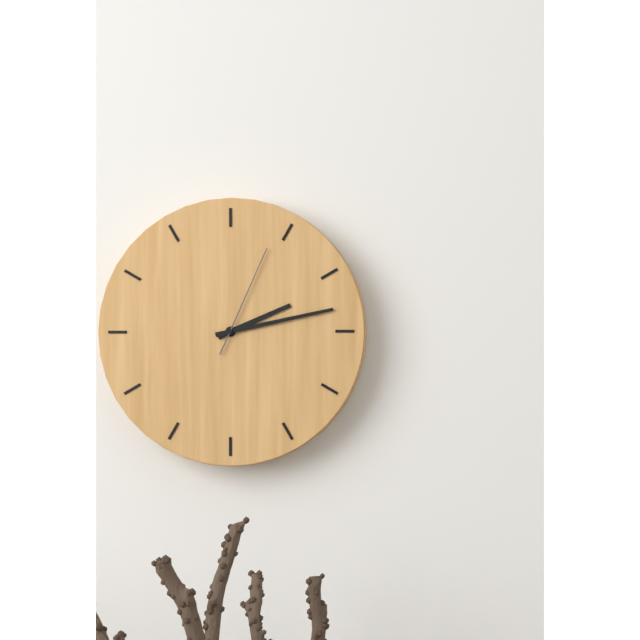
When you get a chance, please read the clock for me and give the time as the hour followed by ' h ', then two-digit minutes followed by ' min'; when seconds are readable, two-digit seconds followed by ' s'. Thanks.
2 h 13 min 04 s
